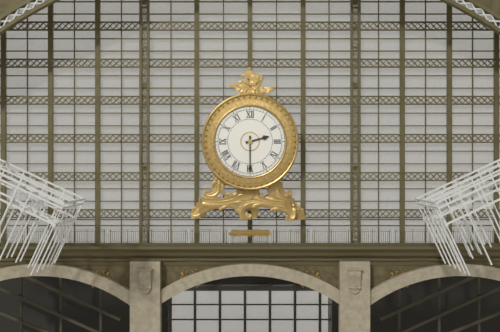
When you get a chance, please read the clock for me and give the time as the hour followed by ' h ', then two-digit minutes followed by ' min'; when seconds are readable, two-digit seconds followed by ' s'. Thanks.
2 h 30 min
